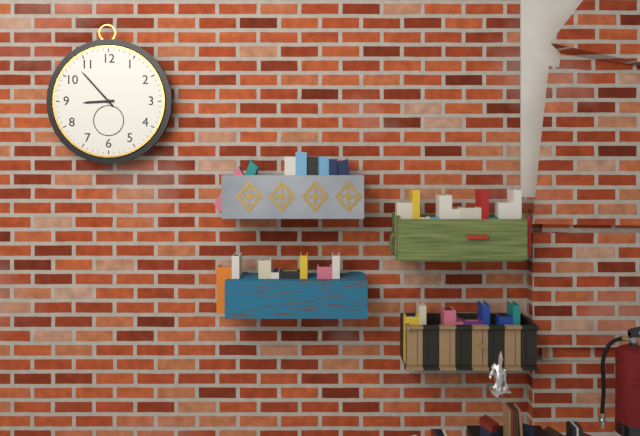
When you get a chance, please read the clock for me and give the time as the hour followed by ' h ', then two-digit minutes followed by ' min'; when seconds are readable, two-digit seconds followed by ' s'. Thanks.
8 h 53 min
